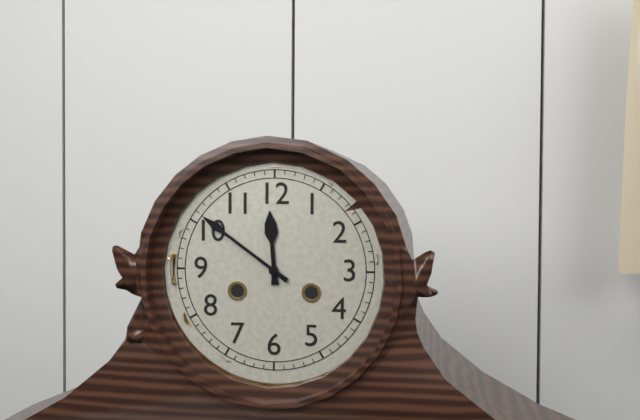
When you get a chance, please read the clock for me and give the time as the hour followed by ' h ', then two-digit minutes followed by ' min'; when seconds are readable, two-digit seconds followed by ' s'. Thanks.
11 h 51 min
